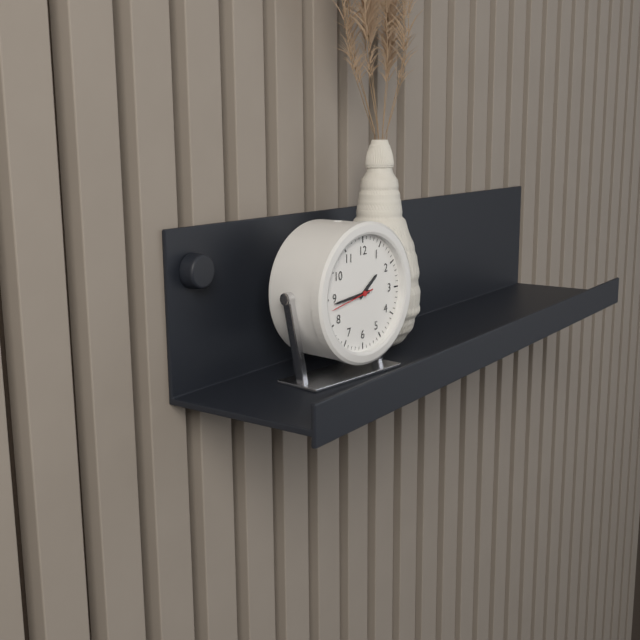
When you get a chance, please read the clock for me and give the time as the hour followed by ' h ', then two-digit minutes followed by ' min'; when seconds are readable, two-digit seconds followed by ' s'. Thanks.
1 h 44 min
